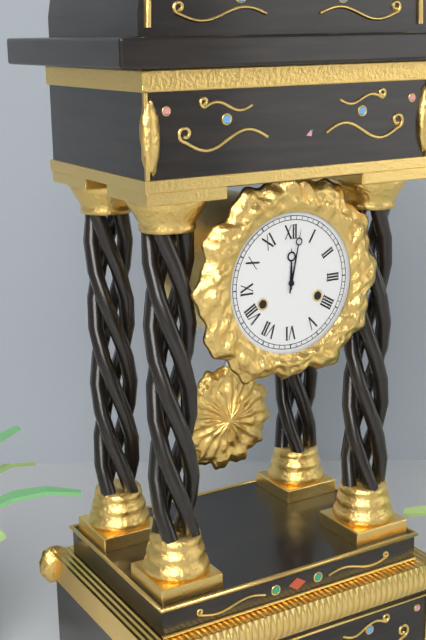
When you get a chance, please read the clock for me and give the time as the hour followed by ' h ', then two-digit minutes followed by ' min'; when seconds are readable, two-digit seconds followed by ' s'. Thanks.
12 h 02 min
